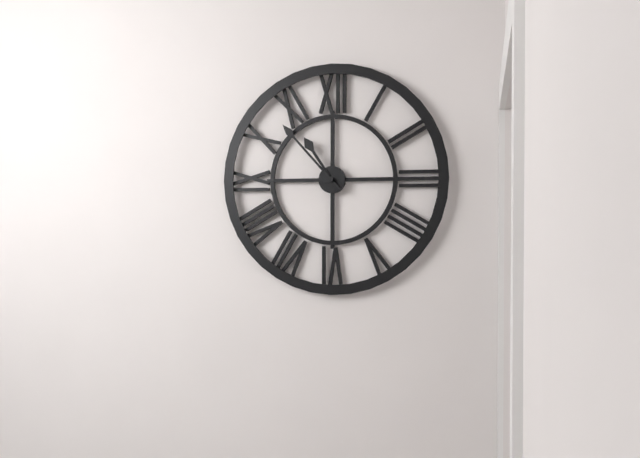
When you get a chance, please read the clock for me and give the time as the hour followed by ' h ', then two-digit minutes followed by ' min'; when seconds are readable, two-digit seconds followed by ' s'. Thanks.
10 h 53 min
